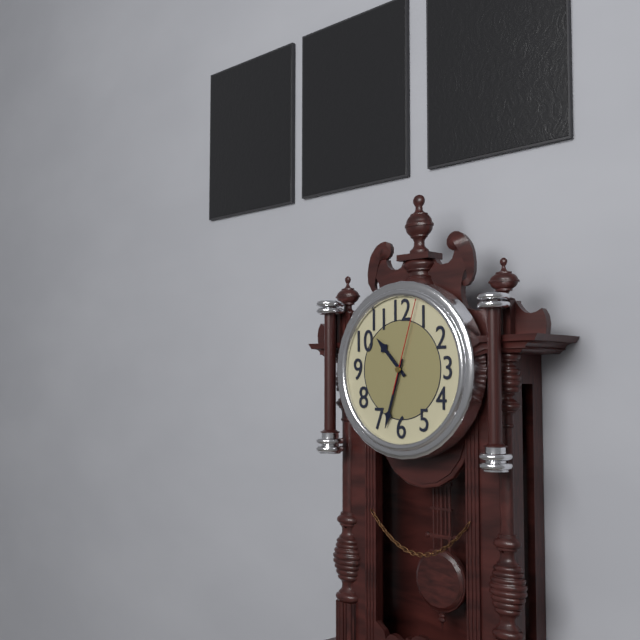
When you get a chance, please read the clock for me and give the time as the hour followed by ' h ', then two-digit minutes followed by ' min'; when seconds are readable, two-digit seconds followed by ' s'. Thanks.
10 h 33 min 03 s
